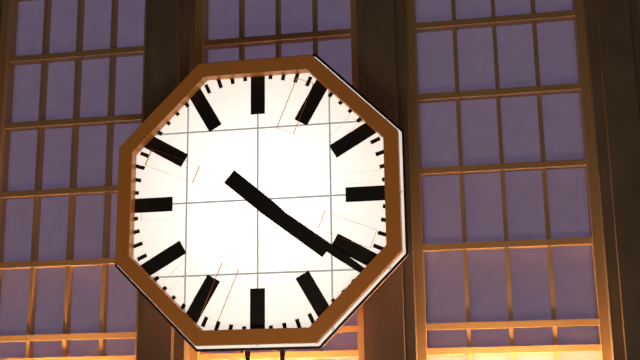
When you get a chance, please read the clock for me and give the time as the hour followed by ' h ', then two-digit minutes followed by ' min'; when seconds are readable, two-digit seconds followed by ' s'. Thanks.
4 h 21 min
